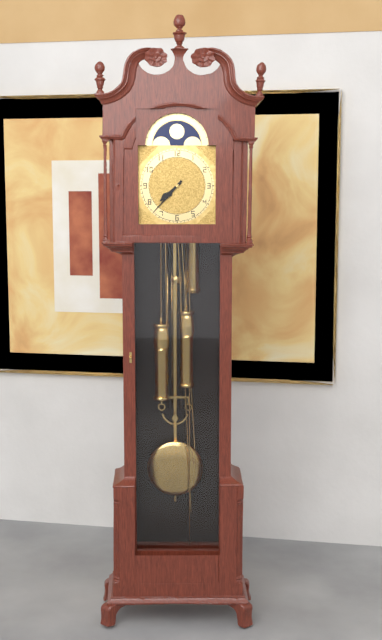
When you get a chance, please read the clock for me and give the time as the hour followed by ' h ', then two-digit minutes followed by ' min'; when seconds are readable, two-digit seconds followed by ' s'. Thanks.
7 h 37 min
